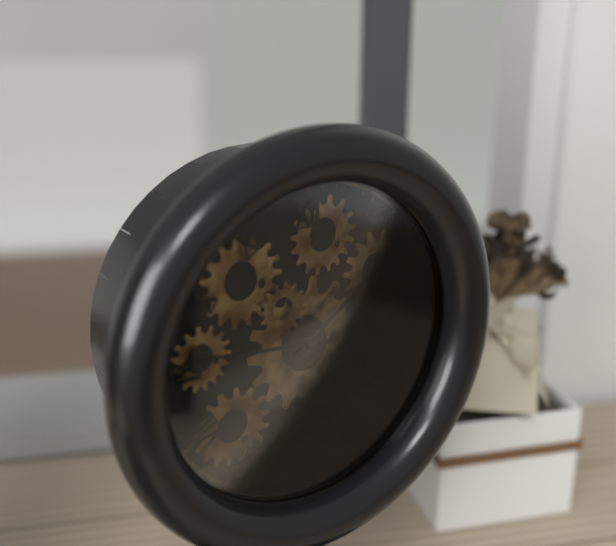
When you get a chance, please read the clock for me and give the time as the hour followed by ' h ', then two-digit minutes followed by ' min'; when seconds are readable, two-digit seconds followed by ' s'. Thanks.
1 h 46 min
